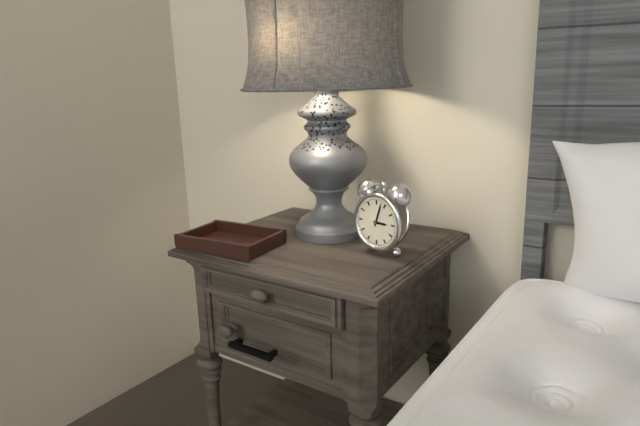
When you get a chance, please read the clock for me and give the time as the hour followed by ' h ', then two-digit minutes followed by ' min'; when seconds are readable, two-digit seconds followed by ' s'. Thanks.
3 h 03 min
